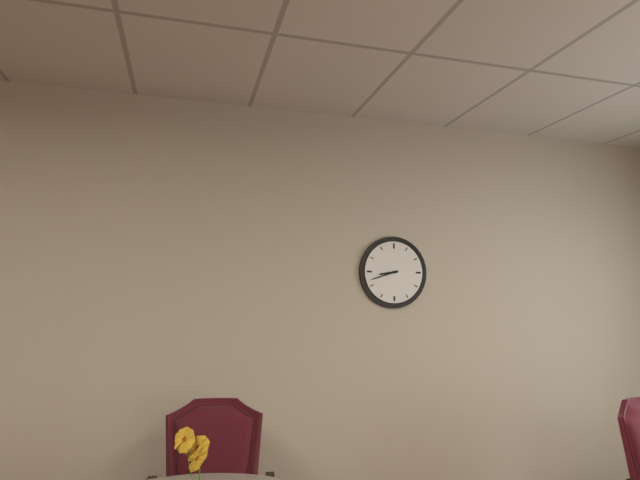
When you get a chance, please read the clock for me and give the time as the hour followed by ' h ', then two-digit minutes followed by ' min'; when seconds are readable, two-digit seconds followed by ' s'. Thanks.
8 h 42 min
